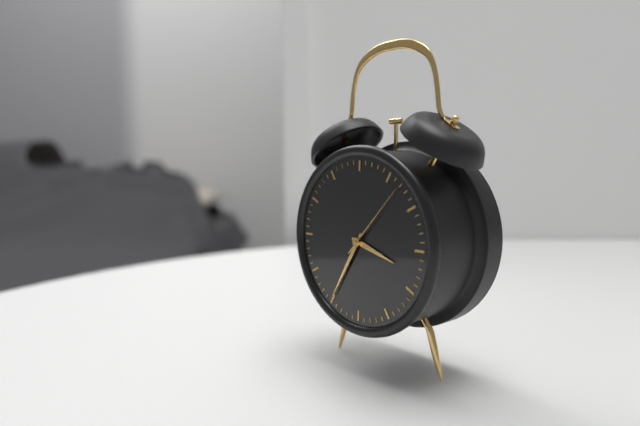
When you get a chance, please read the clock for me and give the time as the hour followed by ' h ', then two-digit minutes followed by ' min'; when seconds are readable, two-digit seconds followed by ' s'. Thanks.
3 h 35 min 07 s
